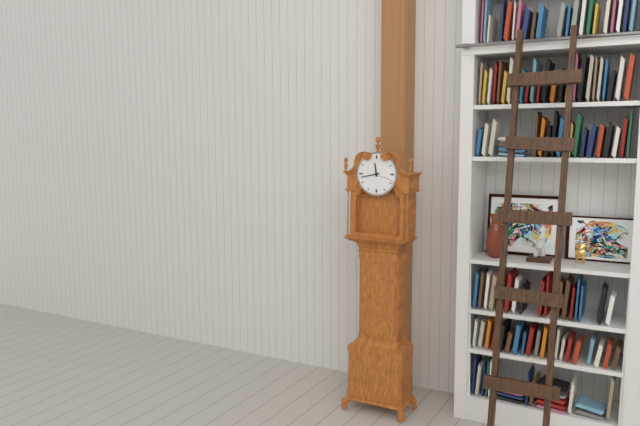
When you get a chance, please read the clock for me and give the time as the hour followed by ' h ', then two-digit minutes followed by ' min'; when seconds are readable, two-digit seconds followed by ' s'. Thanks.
11 h 43 min
